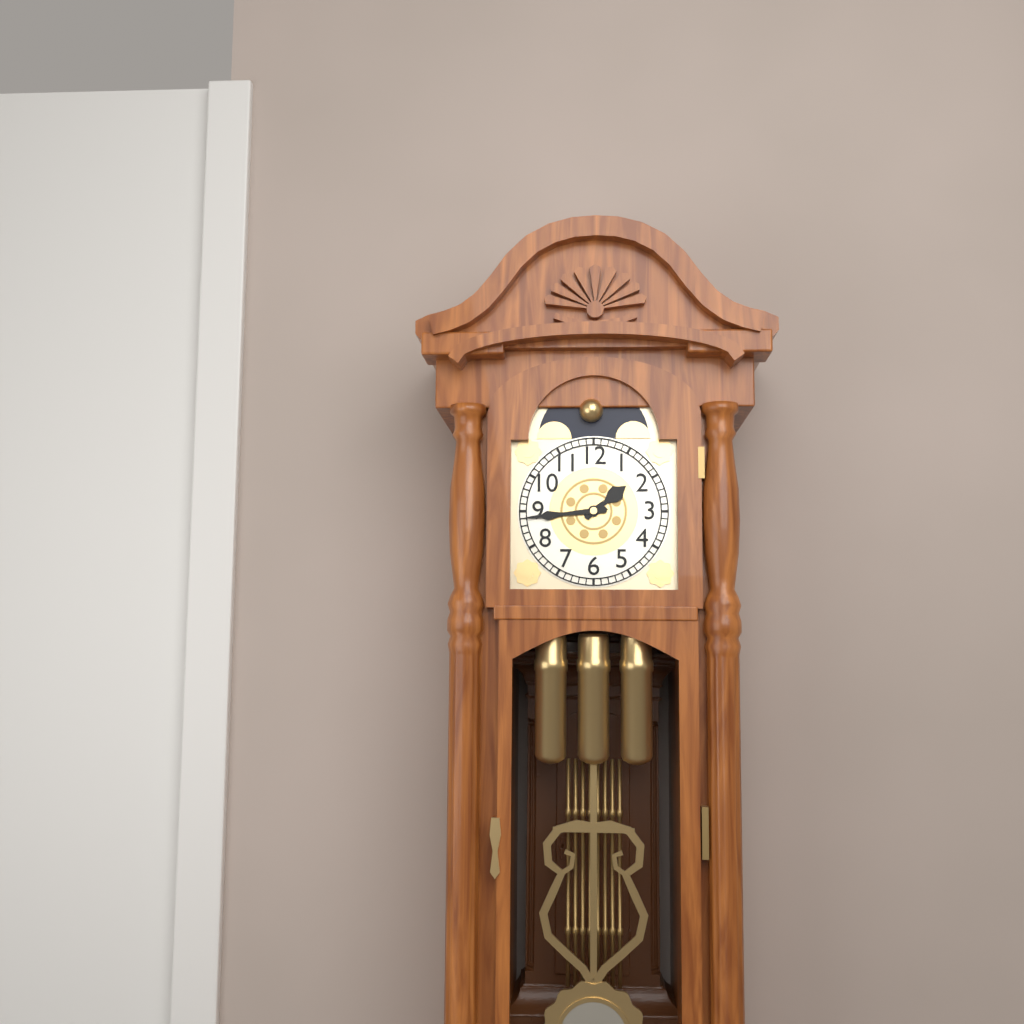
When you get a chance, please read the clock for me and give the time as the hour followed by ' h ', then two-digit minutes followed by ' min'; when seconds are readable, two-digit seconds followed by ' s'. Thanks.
1 h 44 min
